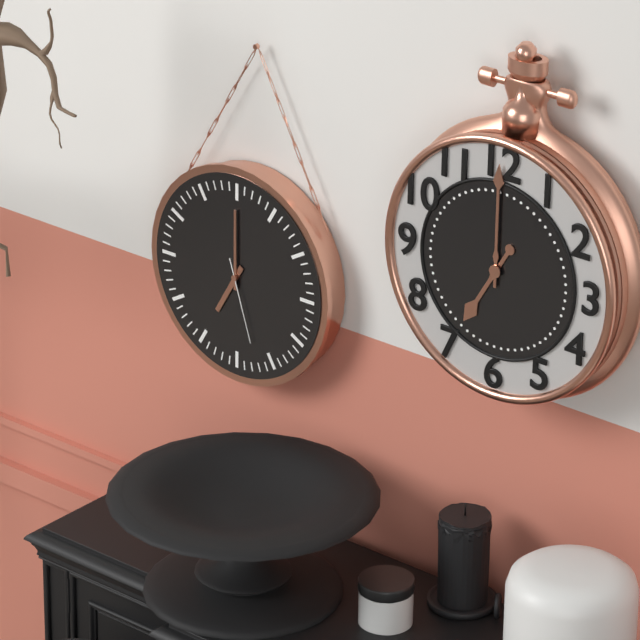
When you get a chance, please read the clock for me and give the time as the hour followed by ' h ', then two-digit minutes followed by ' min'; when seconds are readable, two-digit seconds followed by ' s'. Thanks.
7 h 00 min 27 s
